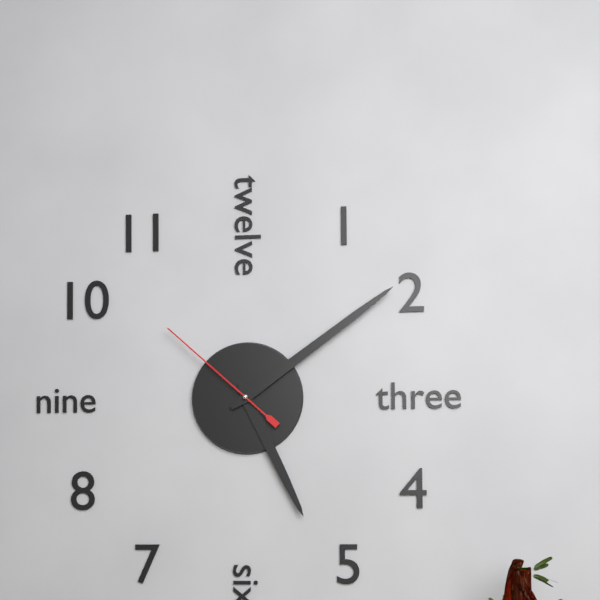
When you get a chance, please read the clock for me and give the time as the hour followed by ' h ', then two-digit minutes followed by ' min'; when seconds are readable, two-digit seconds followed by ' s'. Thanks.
5 h 09 min 52 s
